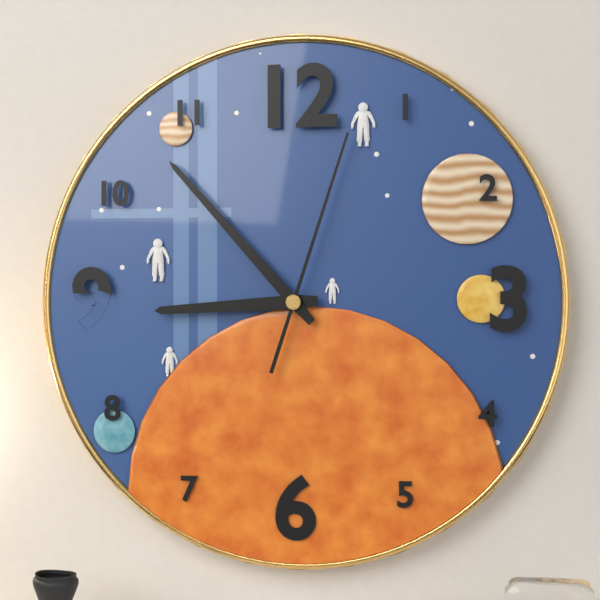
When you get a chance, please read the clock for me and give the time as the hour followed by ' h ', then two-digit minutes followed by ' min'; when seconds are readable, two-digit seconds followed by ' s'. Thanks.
8 h 53 min 03 s
